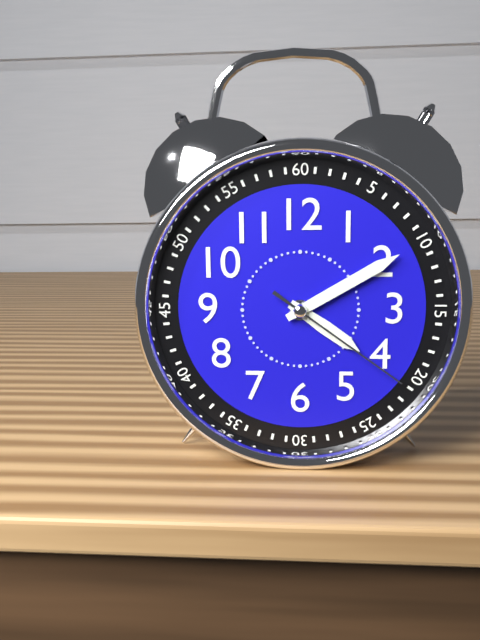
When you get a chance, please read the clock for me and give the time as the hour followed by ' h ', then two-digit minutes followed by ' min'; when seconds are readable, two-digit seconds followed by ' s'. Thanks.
4 h 10 min 21 s
